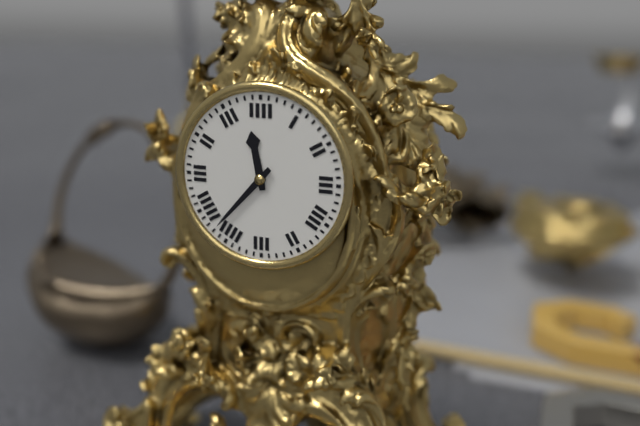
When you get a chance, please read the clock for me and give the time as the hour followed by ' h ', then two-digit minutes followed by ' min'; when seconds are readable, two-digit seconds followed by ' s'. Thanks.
11 h 37 min
